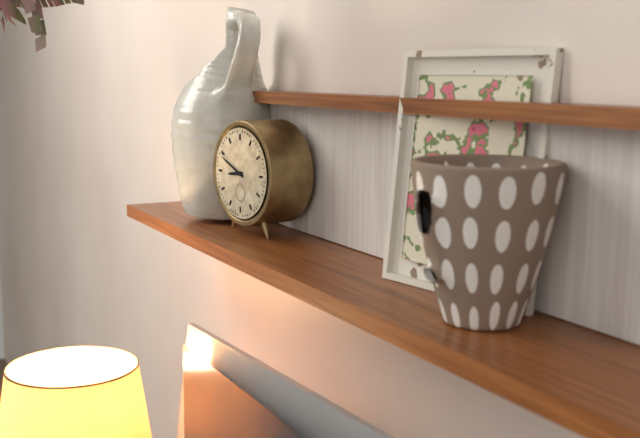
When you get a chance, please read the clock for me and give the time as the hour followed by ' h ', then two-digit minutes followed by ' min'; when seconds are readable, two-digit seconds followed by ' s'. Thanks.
8 h 49 min
